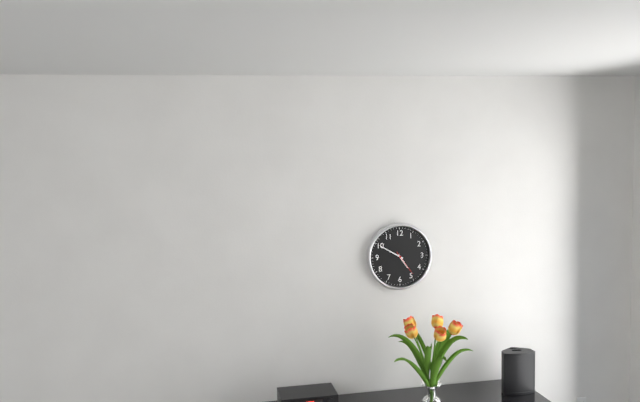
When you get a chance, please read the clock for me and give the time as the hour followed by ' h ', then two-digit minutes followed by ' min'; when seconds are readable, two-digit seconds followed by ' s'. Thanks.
4 h 50 min
